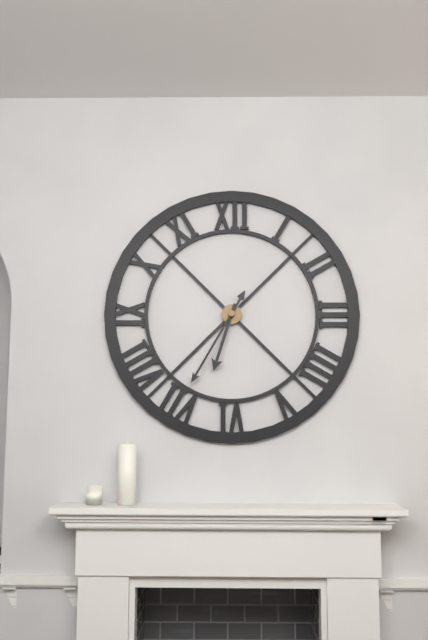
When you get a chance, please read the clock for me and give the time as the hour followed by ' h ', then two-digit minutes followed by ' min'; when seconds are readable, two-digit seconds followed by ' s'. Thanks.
6 h 35 min
